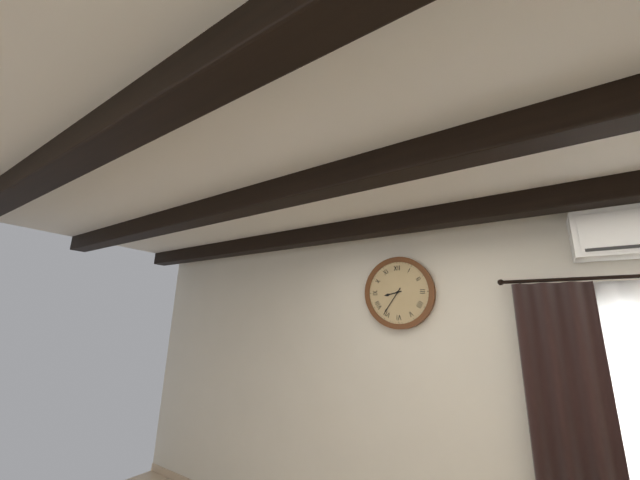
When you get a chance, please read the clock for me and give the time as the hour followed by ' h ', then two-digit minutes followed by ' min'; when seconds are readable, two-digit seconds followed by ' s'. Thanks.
8 h 36 min
